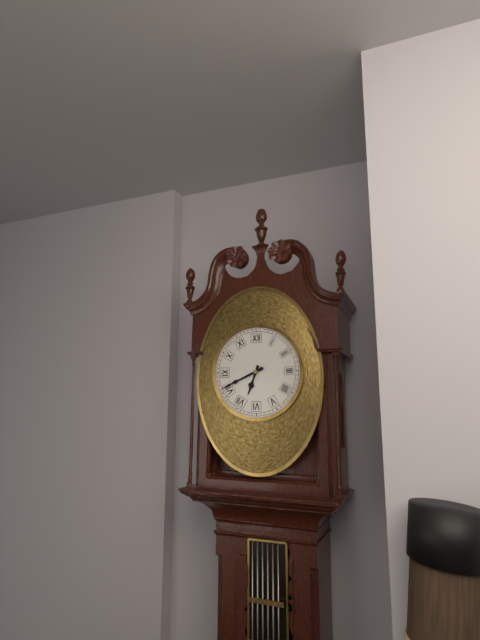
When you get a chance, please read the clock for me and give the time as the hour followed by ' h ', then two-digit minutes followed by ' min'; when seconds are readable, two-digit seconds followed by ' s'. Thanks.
6 h 41 min
